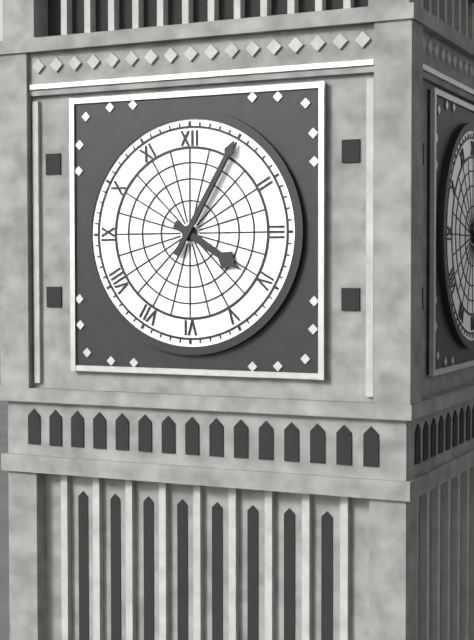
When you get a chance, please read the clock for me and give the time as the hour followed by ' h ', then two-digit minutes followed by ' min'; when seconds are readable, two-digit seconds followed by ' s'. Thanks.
4 h 05 min
